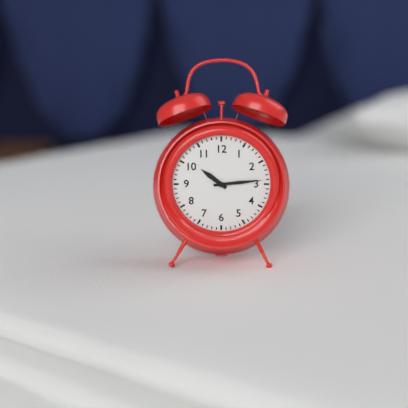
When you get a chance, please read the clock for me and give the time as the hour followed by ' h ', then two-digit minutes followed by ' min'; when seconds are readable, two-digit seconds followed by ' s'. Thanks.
10 h 14 min
